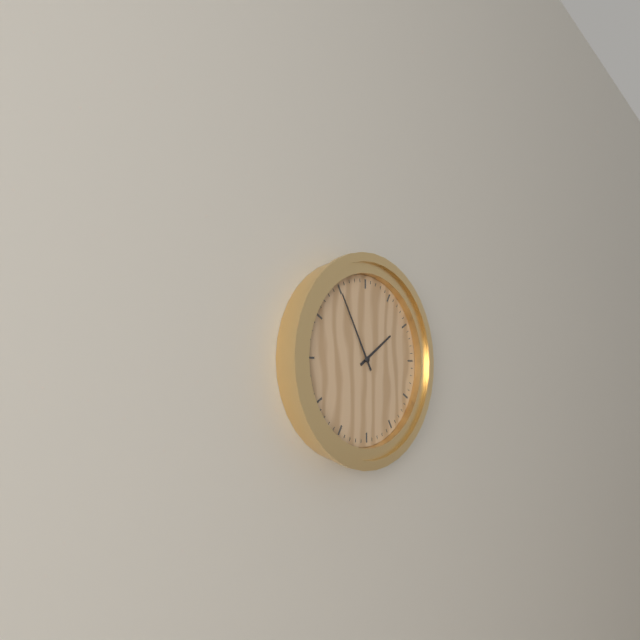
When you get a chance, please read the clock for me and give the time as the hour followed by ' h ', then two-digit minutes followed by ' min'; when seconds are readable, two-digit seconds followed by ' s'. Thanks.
1 h 55 min
